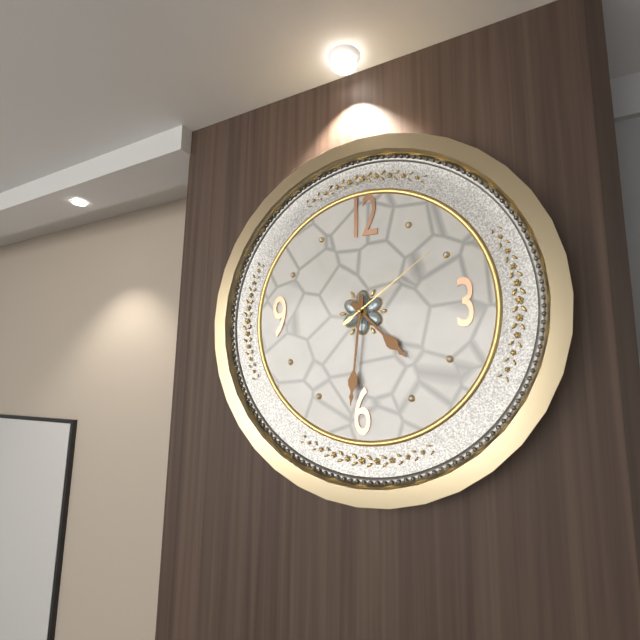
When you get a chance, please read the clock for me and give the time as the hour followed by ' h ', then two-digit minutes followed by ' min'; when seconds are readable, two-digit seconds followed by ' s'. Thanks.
4 h 31 min 09 s
